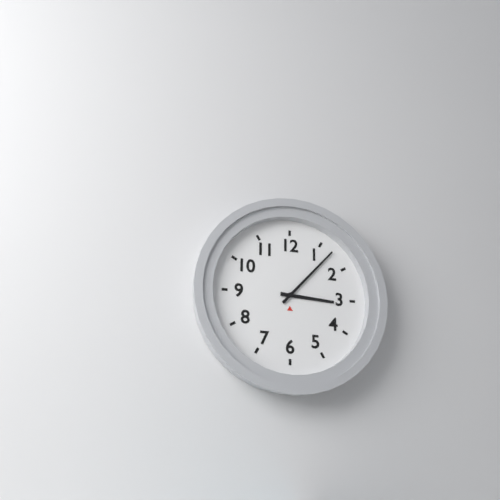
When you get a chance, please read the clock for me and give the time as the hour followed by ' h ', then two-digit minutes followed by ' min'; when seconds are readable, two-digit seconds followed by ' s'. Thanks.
3 h 07 min
